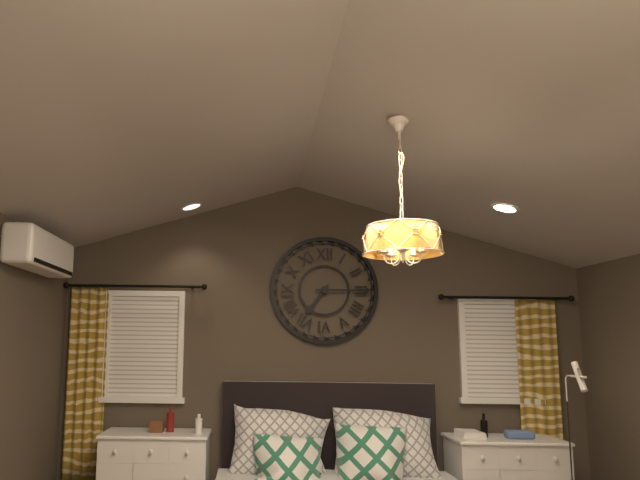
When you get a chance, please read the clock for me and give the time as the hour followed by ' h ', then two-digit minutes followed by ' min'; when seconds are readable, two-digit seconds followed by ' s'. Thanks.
7 h 15 min
